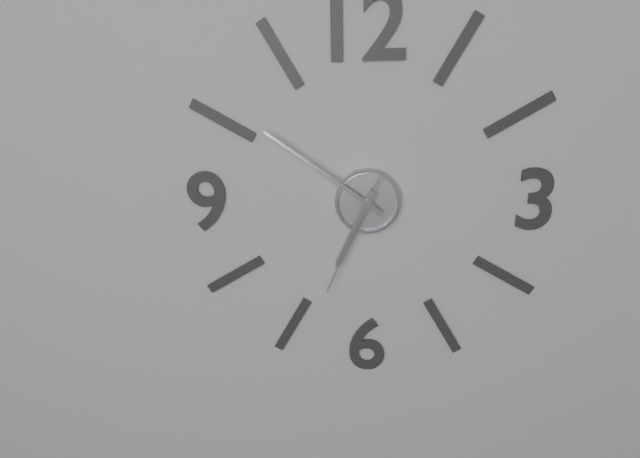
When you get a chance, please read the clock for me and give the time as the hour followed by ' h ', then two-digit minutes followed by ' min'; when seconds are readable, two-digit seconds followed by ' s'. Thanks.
6 h 51 min 34 s
